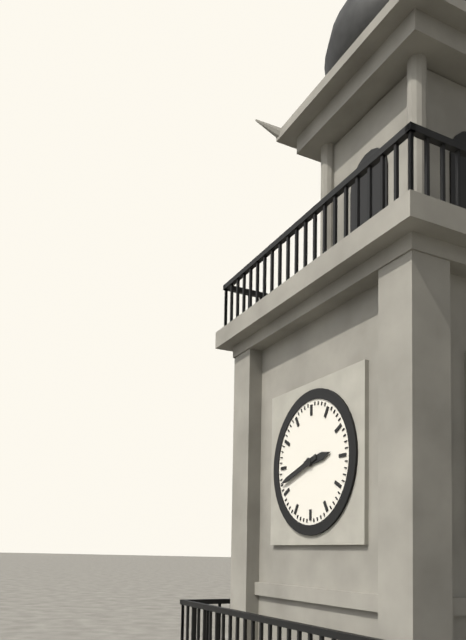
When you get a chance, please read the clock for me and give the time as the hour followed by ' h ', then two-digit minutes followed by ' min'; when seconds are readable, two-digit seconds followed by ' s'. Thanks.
2 h 42 min
